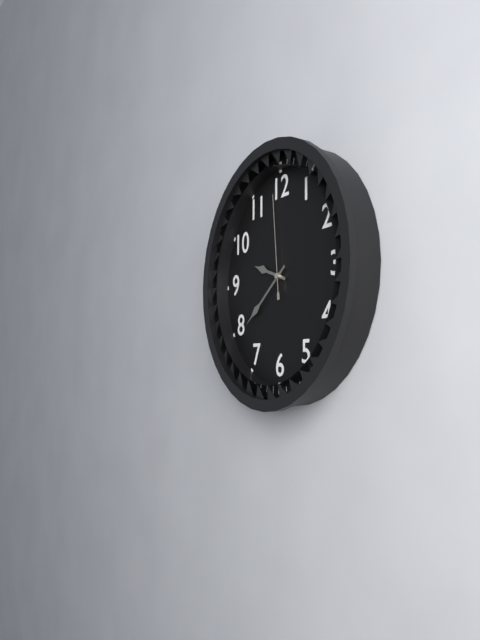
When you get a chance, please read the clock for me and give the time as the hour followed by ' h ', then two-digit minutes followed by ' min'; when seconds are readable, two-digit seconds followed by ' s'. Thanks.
9 h 39 min 59 s
